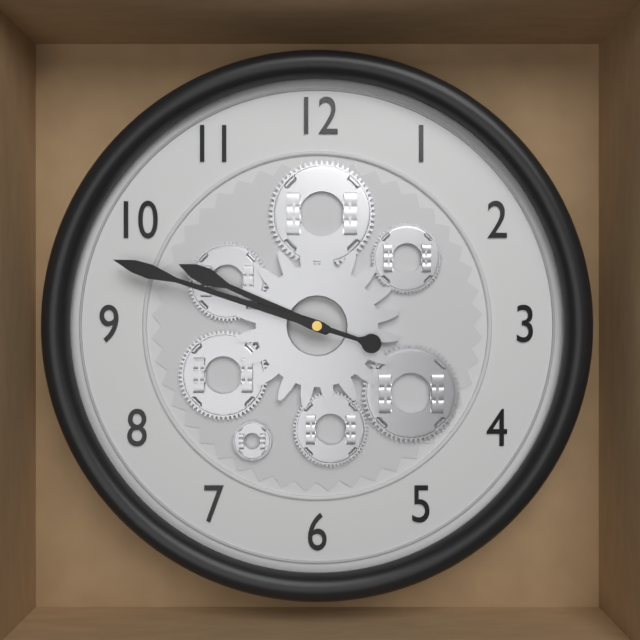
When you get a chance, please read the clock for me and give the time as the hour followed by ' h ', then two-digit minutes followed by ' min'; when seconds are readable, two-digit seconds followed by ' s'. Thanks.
9 h 48 min
